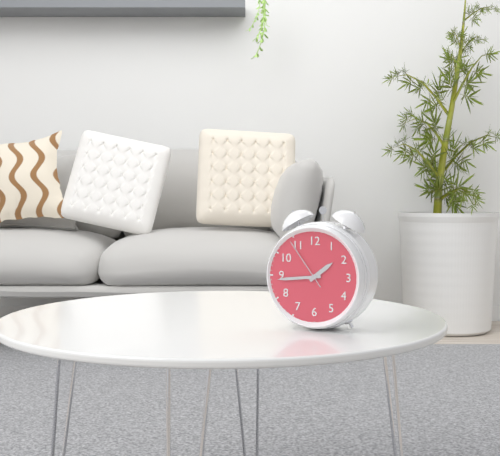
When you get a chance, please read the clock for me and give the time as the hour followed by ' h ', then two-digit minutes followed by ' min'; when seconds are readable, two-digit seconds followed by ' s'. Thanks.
1 h 44 min 54 s
